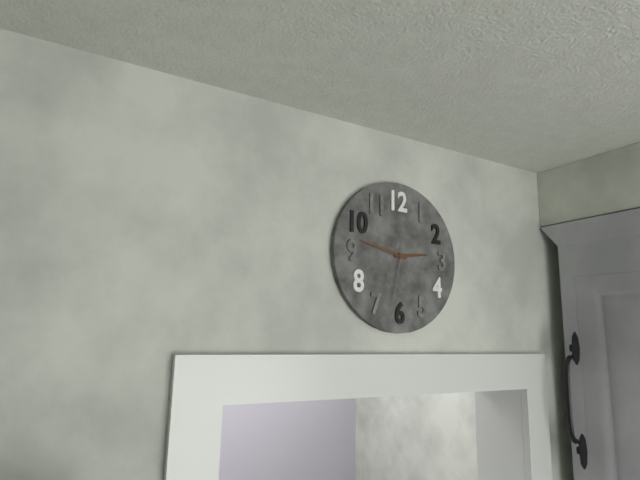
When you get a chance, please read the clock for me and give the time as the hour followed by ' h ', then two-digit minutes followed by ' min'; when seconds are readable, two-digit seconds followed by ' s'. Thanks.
2 h 47 min 32 s
